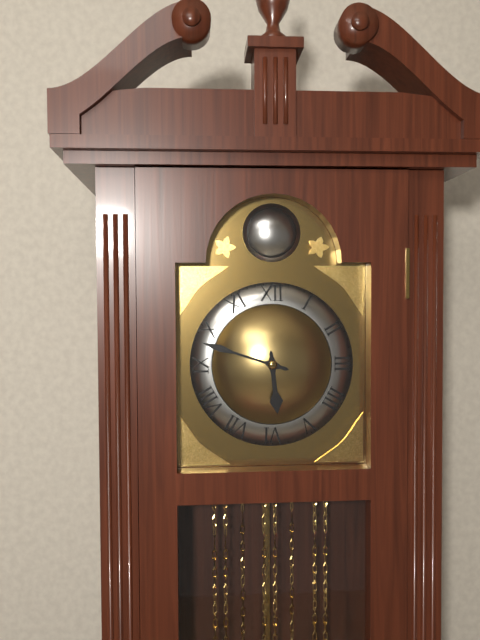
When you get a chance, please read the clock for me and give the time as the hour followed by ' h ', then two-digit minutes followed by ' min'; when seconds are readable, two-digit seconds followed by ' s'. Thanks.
5 h 48 min
